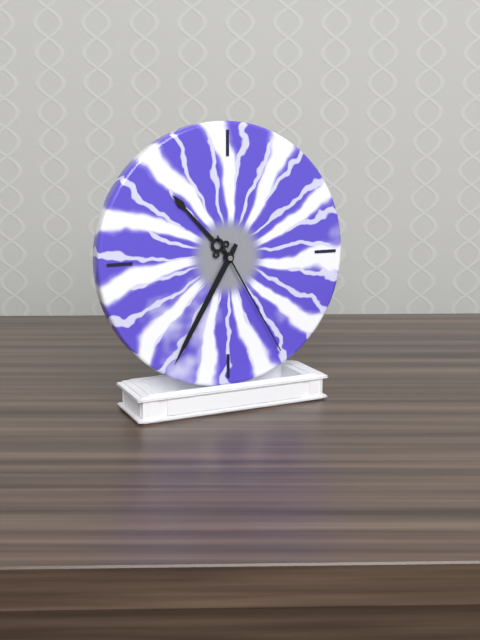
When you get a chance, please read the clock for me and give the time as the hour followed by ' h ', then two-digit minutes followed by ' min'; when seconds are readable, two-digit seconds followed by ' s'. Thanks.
10 h 35 min 25 s
